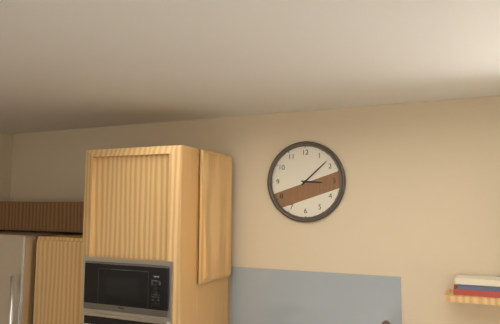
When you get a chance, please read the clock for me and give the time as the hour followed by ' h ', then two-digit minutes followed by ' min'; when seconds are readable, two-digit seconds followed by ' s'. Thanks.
3 h 08 min
